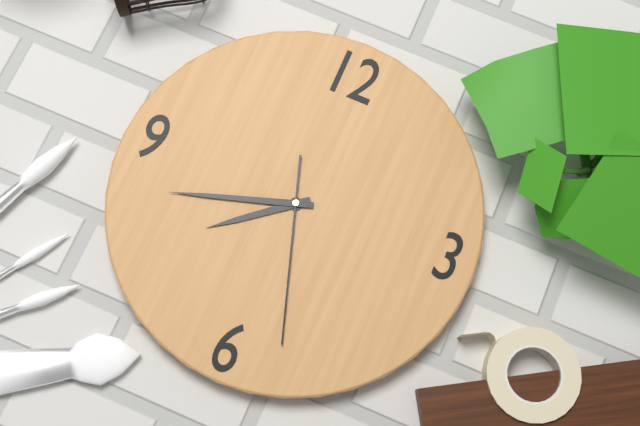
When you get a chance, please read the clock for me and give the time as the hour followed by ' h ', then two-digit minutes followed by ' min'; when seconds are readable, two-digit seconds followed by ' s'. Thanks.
7 h 42 min 27 s
